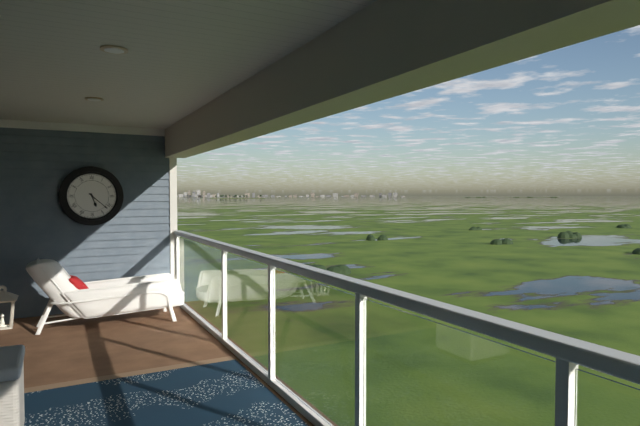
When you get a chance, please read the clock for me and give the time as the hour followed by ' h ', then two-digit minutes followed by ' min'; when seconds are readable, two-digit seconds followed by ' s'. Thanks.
5 h 22 min
